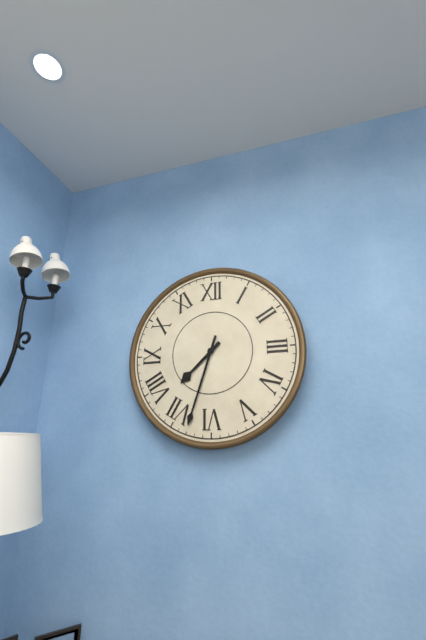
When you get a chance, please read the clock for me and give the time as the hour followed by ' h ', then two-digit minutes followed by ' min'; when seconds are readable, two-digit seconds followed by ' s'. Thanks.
7 h 33 min
